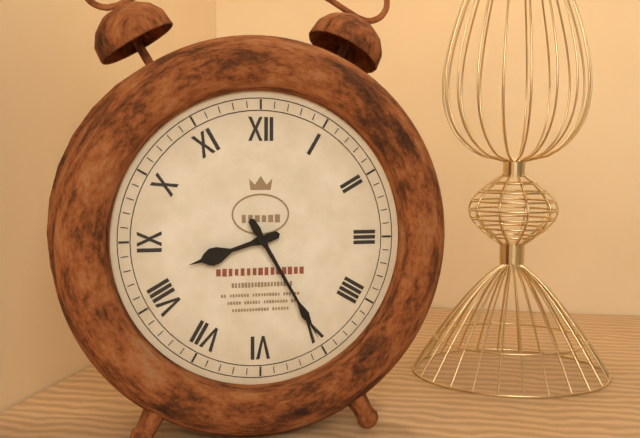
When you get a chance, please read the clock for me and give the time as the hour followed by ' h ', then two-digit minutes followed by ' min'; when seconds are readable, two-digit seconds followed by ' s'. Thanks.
8 h 25 min
